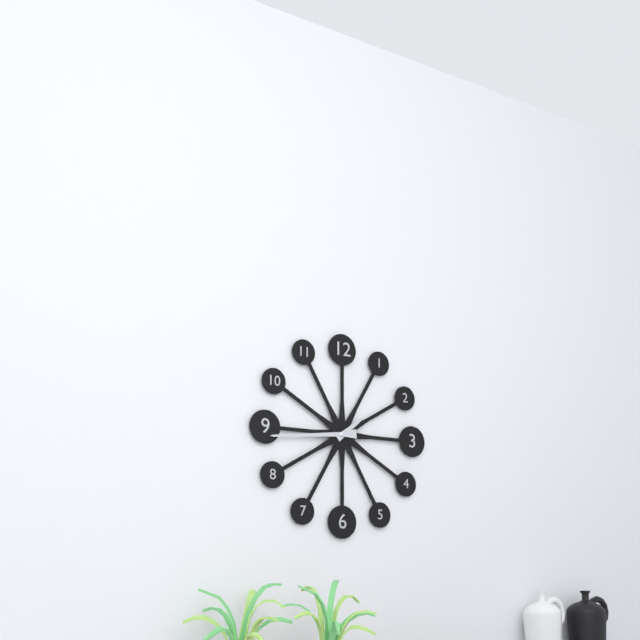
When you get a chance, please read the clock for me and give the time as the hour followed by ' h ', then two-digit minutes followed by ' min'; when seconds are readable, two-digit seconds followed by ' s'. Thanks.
1 h 44 min
